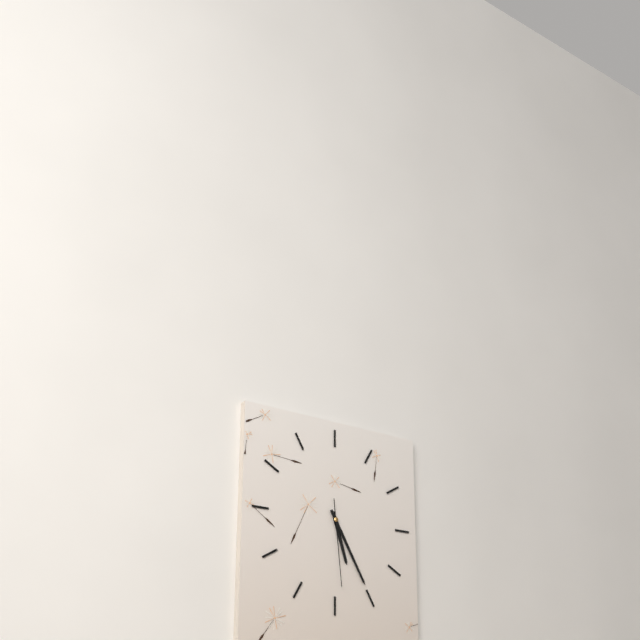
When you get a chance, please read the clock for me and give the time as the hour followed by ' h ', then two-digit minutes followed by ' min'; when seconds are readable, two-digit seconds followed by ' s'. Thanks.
5 h 25 min 29 s
